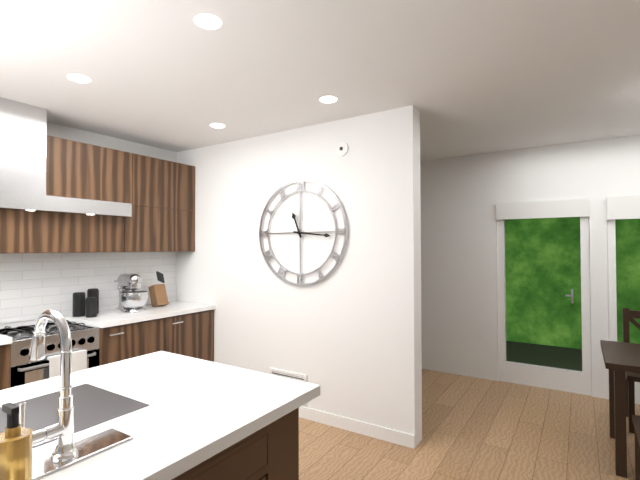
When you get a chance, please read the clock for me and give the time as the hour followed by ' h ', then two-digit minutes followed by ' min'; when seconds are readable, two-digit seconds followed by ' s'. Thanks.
11 h 16 min
